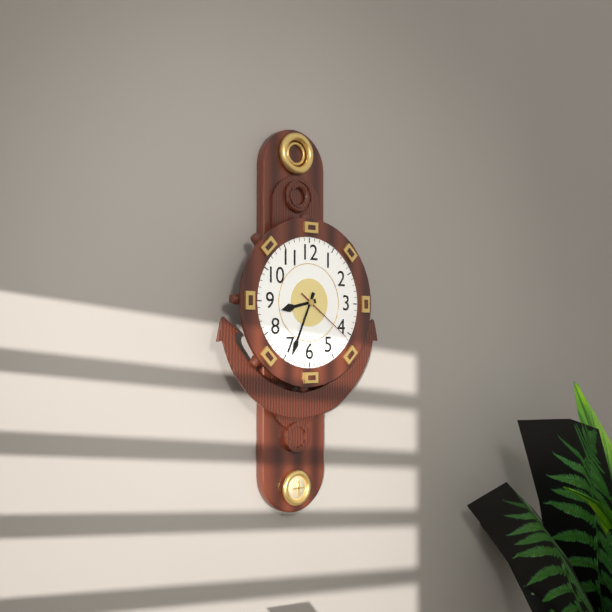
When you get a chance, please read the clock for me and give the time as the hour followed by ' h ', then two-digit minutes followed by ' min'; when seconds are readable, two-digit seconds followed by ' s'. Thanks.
8 h 34 min 21 s
